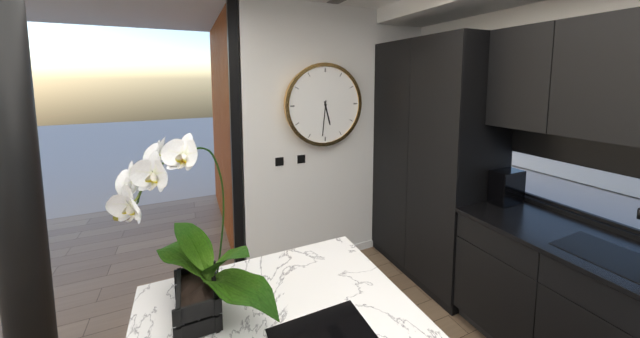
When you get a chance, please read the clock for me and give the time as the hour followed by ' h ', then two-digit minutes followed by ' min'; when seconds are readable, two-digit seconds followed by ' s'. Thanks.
5 h 31 min
